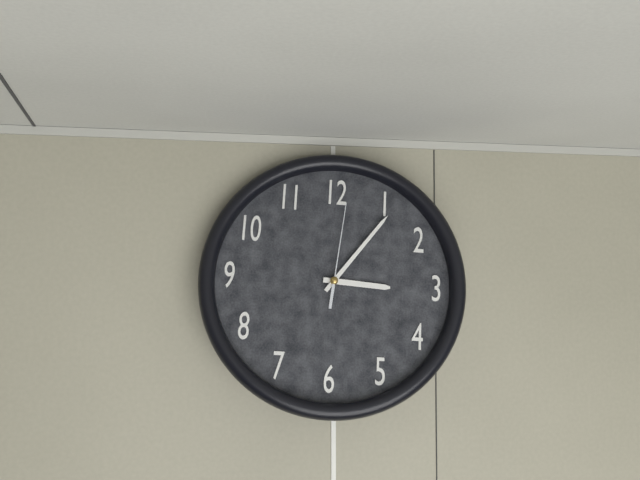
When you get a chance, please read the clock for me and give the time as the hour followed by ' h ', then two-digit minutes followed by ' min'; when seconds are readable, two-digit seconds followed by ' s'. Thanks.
3 h 06 min 01 s
